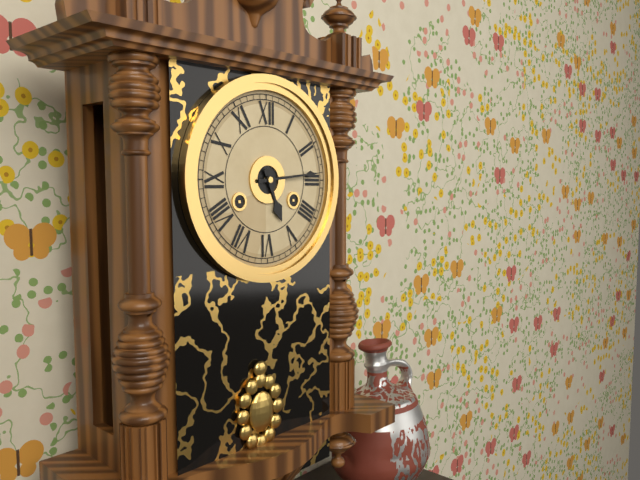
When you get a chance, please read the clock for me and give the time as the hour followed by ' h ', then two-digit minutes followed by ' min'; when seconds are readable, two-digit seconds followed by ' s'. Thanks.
5 h 14 min
